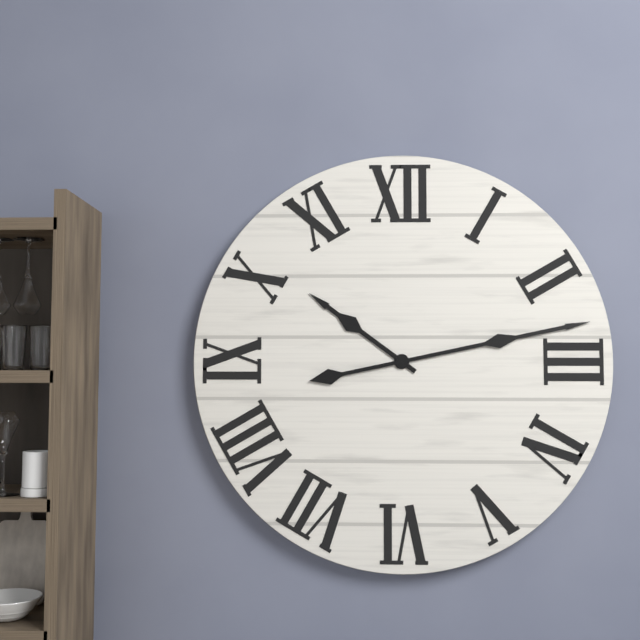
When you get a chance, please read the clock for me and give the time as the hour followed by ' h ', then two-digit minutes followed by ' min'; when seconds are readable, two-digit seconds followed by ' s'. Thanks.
10 h 13 min
